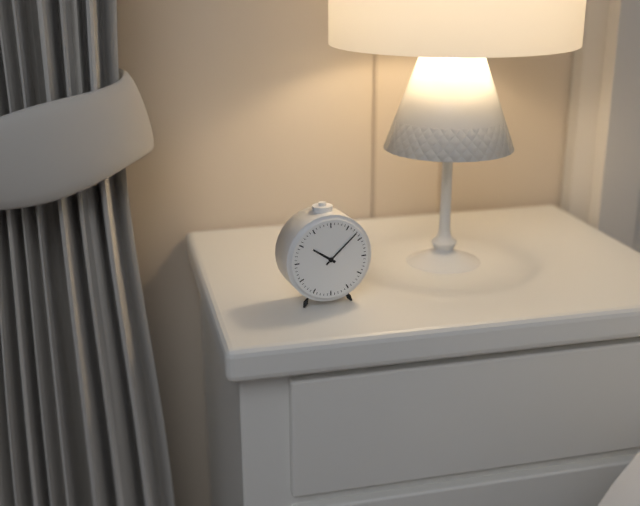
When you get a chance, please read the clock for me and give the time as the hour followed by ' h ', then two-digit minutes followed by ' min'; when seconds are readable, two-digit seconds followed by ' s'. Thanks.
10 h 08 min
